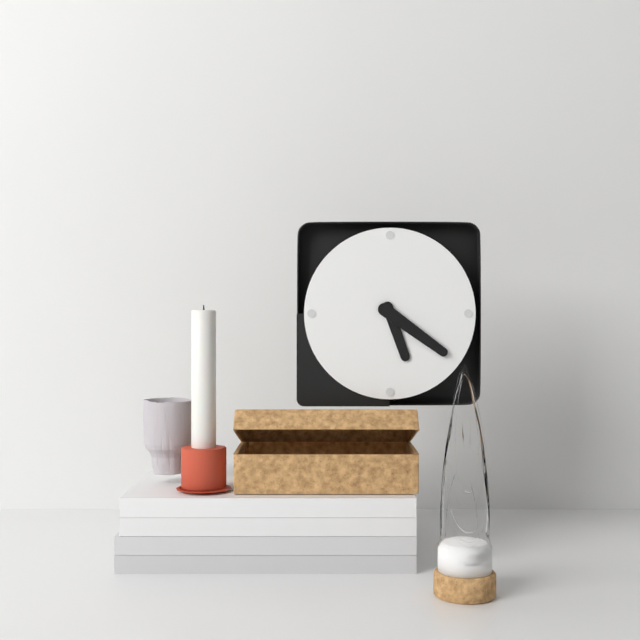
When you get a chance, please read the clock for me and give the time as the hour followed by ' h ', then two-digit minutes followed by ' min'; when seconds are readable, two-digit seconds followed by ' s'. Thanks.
5 h 21 min
